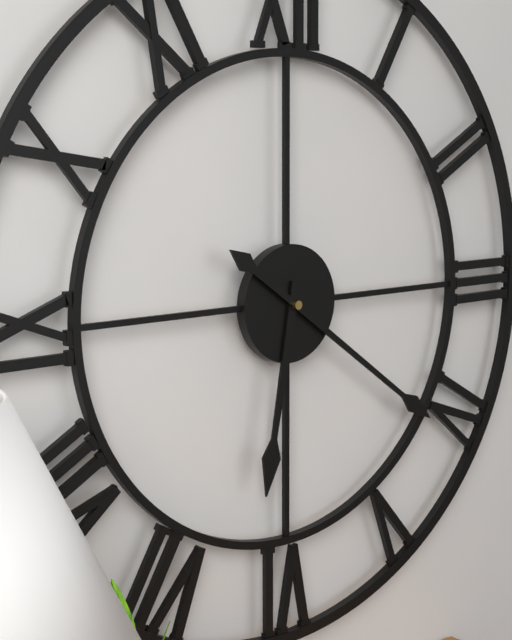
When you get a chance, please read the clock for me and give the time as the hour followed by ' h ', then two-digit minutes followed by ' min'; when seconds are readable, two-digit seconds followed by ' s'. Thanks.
6 h 21 min
